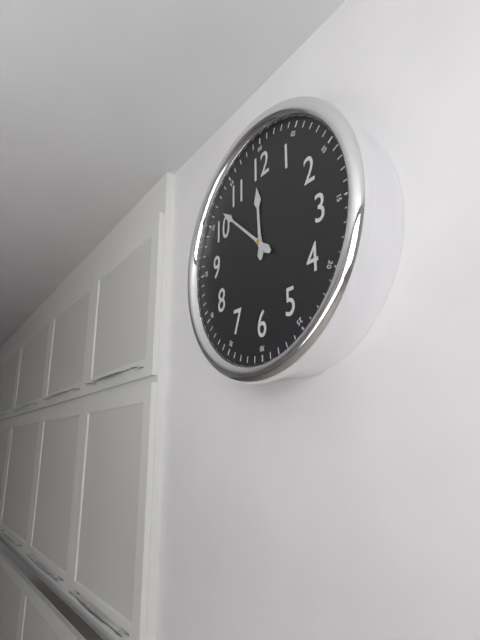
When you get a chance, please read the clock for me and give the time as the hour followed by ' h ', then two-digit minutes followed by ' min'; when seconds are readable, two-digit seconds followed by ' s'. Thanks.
11 h 52 min
